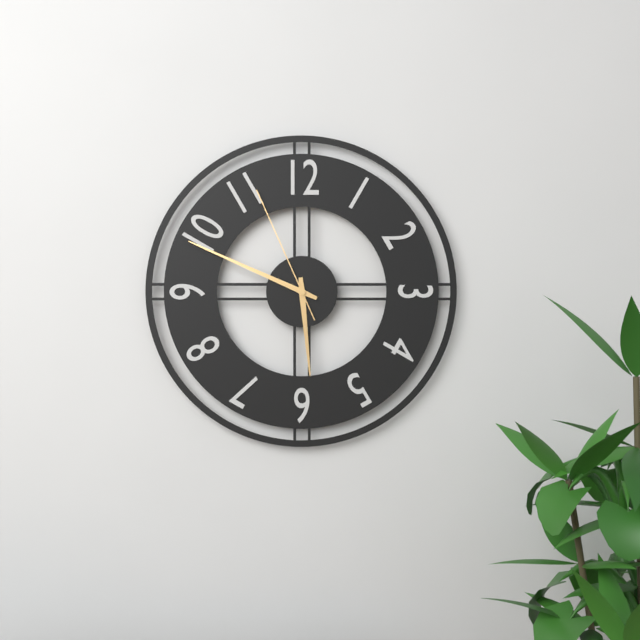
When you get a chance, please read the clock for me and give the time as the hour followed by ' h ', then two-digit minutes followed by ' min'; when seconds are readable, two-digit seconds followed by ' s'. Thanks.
5 h 49 min 56 s
